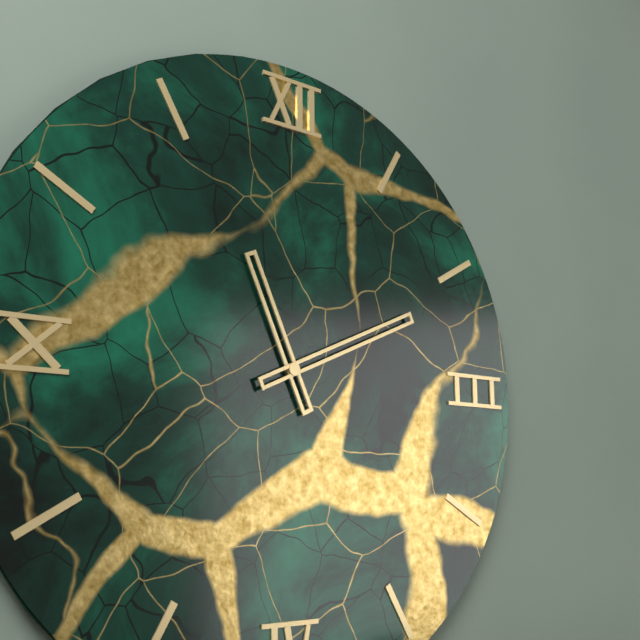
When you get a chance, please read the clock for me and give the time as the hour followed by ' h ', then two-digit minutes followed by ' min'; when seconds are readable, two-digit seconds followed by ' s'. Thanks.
11 h 11 min
